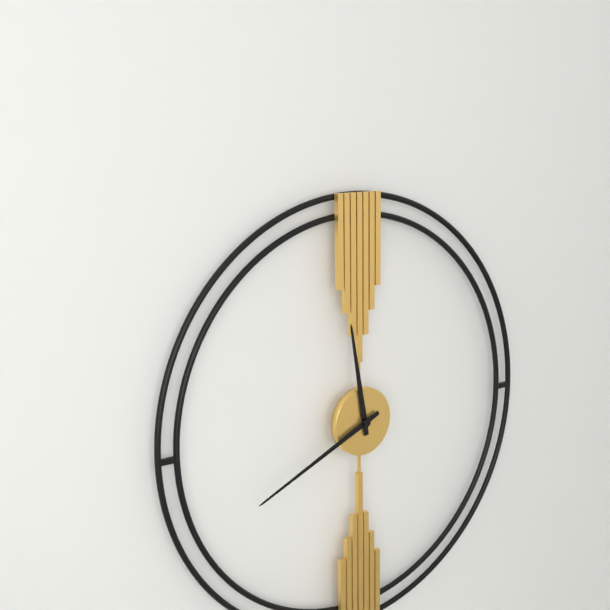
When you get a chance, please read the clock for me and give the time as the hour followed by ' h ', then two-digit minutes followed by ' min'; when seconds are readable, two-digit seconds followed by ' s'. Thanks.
11 h 41 min
